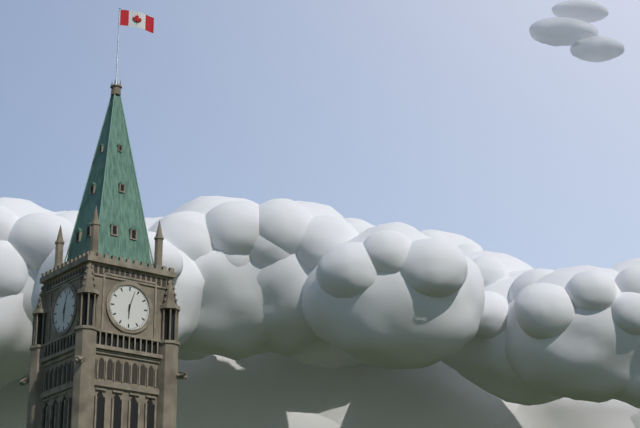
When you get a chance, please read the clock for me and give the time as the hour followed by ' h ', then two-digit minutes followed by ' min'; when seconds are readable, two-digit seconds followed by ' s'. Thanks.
6 h 03 min
